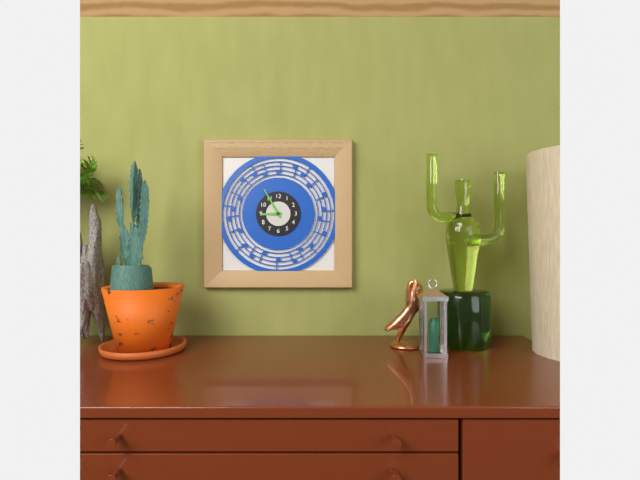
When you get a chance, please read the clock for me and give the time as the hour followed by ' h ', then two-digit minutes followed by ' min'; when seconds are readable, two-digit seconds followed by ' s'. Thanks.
8 h 55 min
